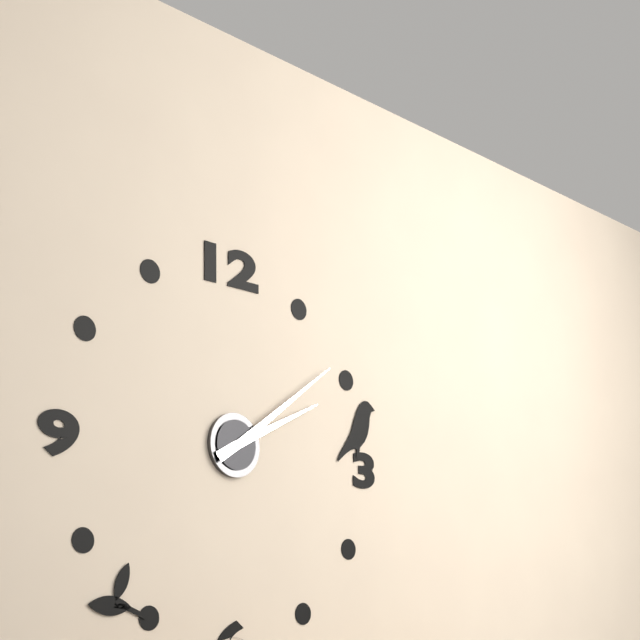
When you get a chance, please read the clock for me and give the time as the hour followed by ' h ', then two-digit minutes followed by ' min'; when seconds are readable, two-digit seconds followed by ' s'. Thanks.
2 h 09 min
